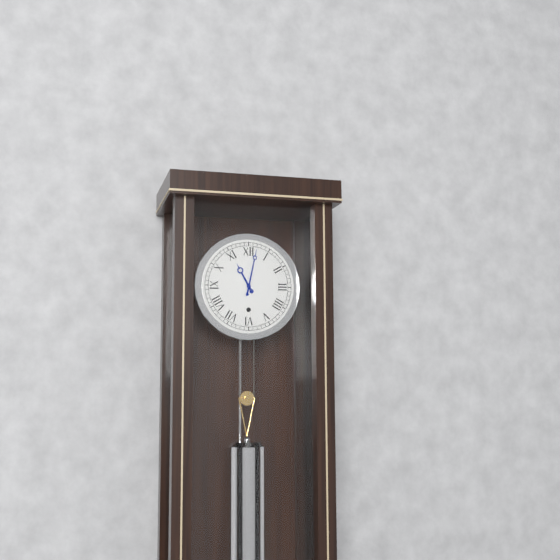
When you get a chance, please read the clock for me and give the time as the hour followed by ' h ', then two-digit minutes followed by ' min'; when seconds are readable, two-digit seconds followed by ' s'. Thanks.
11 h 02 min
